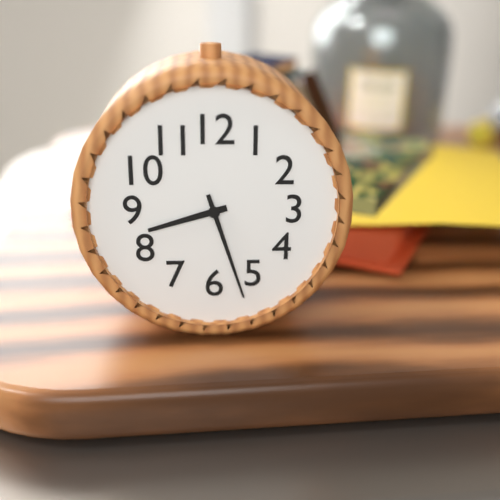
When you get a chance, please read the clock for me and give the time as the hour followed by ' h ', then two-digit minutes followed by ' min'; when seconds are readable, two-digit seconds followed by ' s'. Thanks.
8 h 27 min
